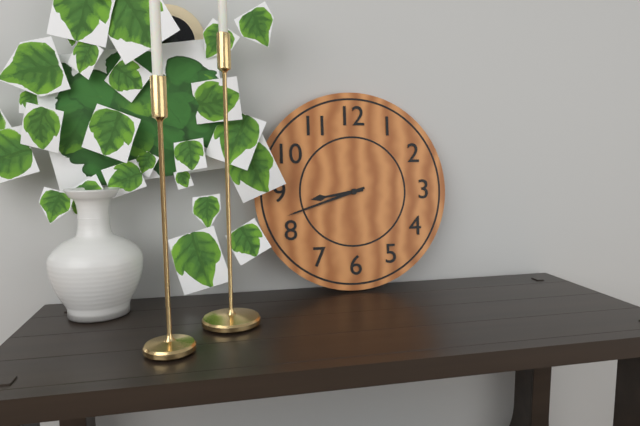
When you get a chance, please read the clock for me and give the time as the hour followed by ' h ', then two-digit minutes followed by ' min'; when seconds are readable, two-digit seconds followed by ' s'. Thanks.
8 h 42 min
